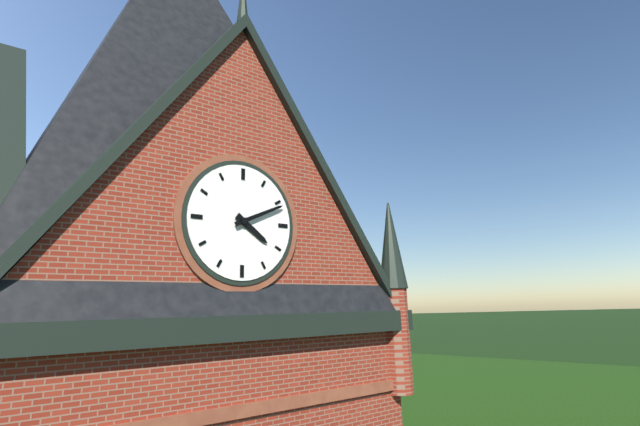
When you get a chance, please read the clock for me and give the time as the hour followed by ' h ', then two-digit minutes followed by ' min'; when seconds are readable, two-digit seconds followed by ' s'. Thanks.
4 h 11 min
